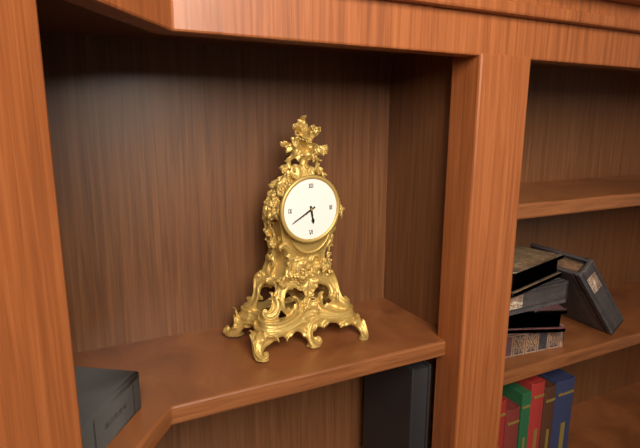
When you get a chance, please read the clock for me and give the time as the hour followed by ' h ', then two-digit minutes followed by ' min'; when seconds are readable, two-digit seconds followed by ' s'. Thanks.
5 h 40 min
